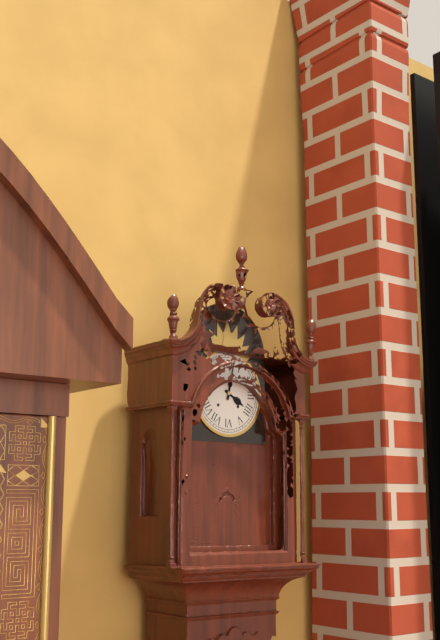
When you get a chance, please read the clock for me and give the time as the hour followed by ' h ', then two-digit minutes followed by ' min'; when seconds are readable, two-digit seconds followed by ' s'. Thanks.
4 h 02 min
